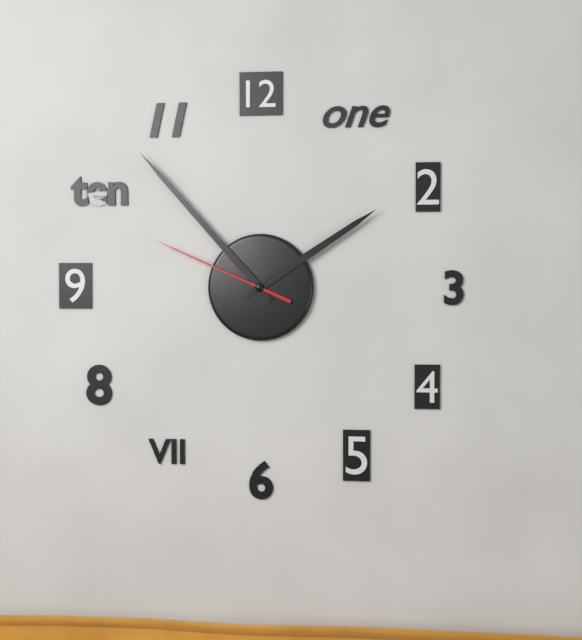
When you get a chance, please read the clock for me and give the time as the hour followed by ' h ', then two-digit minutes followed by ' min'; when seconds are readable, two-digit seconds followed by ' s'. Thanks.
1 h 53 min 49 s
